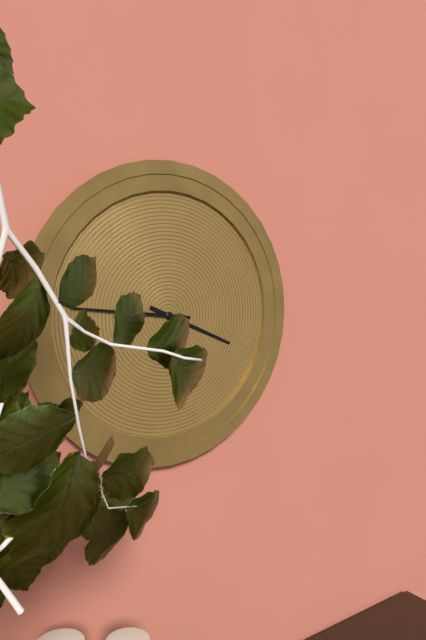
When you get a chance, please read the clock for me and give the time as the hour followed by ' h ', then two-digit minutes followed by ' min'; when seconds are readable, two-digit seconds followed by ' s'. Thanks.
3 h 46 min
